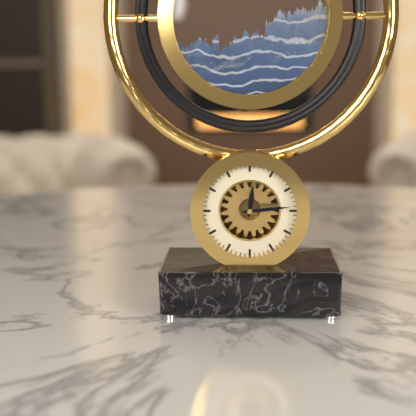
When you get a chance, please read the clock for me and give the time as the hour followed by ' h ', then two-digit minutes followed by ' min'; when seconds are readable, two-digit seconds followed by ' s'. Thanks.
12 h 14 min
